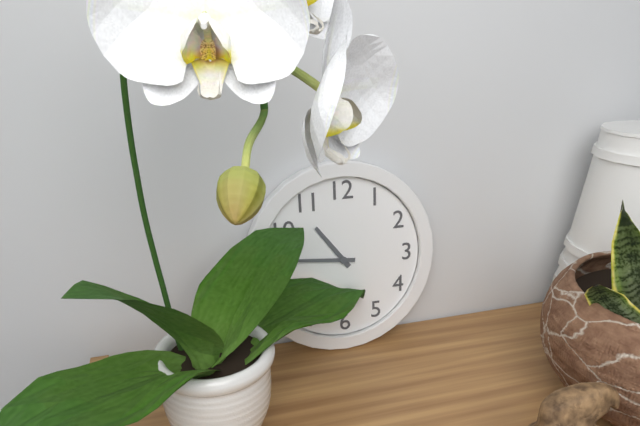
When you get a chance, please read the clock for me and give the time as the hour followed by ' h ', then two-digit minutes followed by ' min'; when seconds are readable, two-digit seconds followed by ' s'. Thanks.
10 h 46 min
